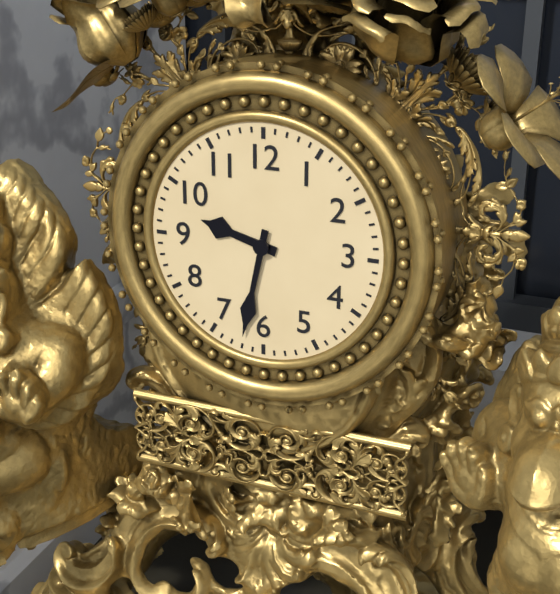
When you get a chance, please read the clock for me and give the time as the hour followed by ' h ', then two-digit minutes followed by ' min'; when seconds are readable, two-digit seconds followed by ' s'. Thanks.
9 h 32 min
